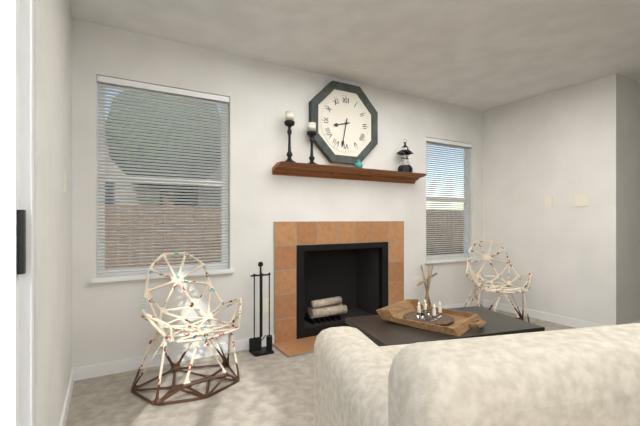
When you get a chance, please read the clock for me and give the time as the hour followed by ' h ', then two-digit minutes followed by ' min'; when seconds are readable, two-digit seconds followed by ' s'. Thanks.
8 h 32 min
